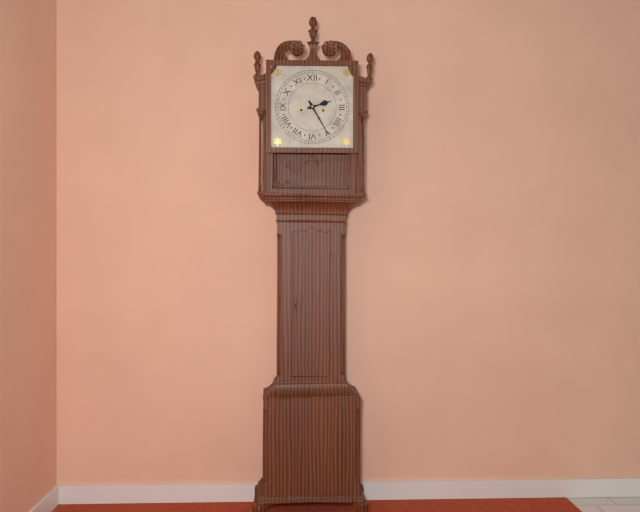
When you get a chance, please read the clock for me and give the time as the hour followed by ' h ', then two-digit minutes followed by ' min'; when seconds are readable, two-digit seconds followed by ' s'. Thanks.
2 h 25 min
